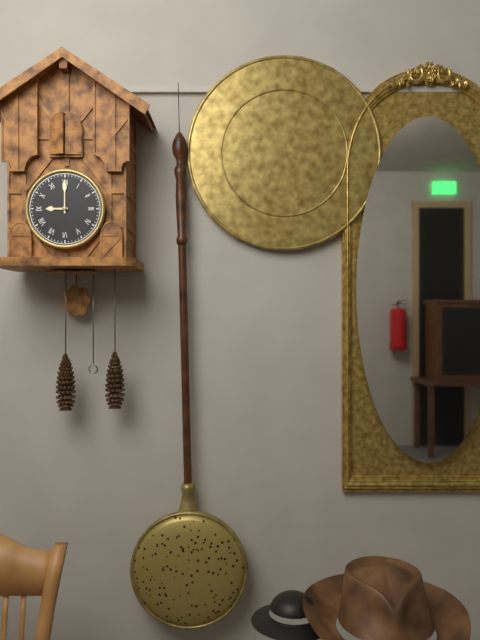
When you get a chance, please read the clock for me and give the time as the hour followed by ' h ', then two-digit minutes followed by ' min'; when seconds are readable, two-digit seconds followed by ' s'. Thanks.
9 h 00 min
